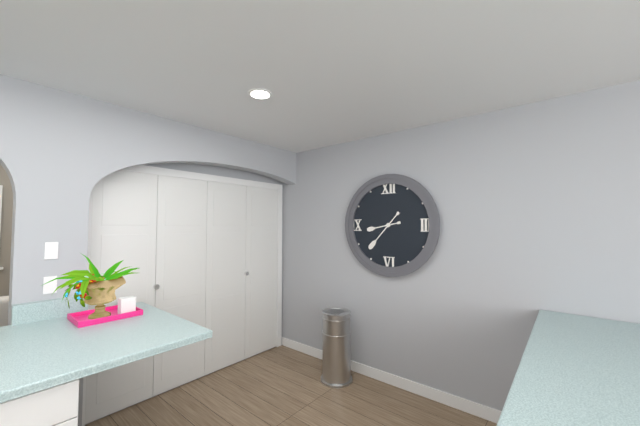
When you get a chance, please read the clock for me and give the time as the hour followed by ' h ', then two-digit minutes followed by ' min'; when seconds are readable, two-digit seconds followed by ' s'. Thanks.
8 h 37 min
